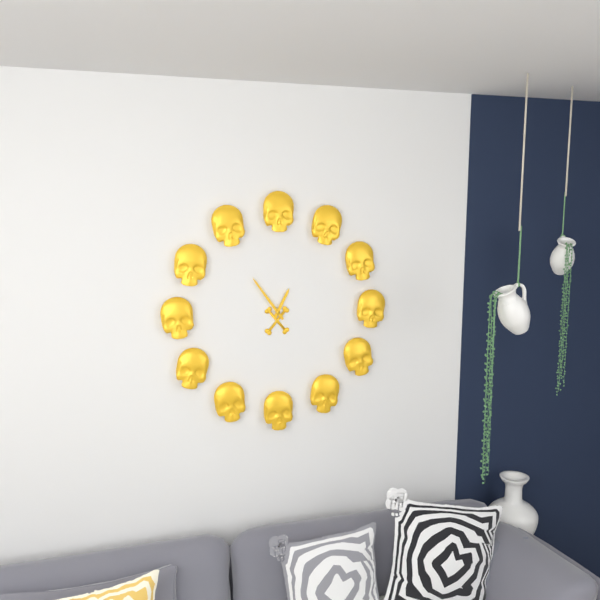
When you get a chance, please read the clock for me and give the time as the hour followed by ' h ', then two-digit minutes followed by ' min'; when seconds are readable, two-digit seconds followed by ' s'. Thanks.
12 h 54 min
